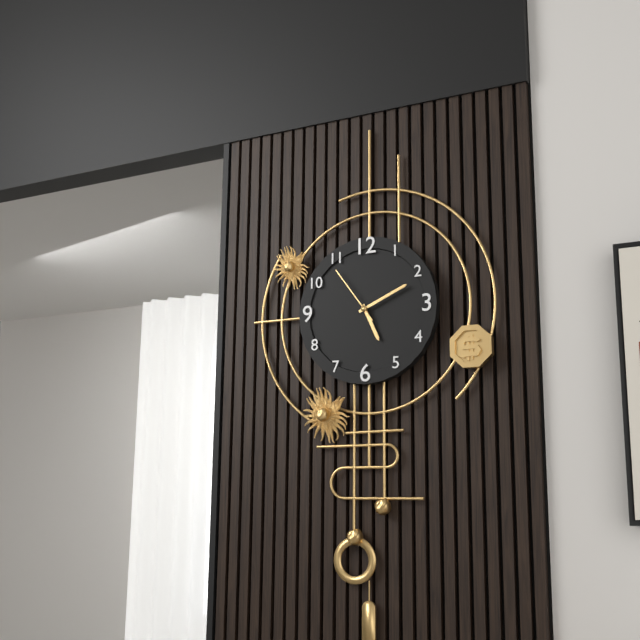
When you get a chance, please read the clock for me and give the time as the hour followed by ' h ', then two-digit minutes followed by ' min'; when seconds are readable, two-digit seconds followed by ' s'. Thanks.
5 h 11 min 54 s
